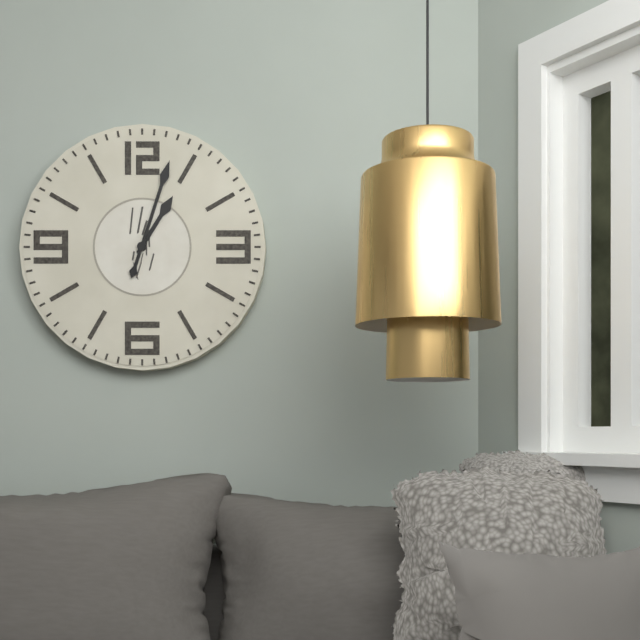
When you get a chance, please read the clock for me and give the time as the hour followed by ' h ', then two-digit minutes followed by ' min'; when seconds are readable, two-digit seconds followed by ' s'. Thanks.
1 h 03 min
